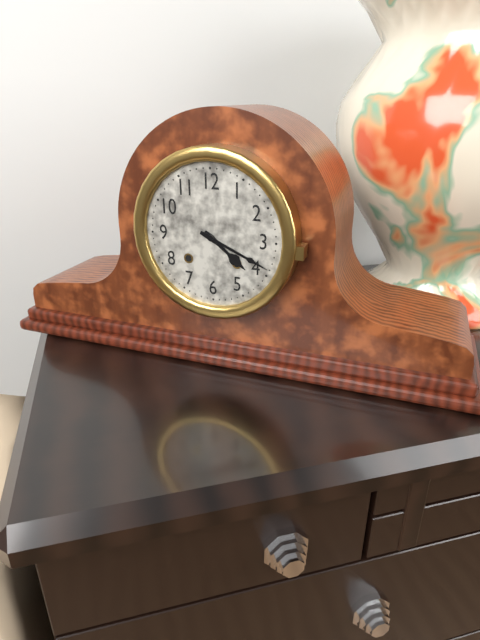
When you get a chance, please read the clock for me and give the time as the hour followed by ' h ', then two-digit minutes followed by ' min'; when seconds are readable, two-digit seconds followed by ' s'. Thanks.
4 h 19 min
